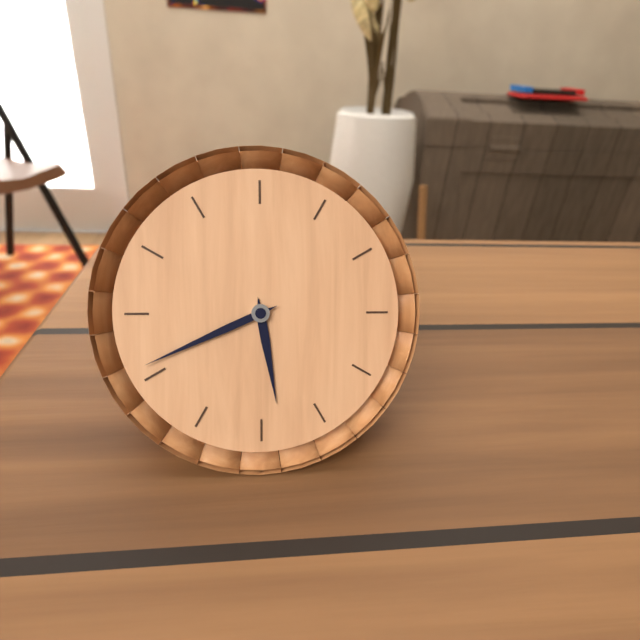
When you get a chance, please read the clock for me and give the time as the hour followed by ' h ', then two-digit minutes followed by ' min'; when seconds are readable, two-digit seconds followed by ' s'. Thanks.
5 h 41 min
